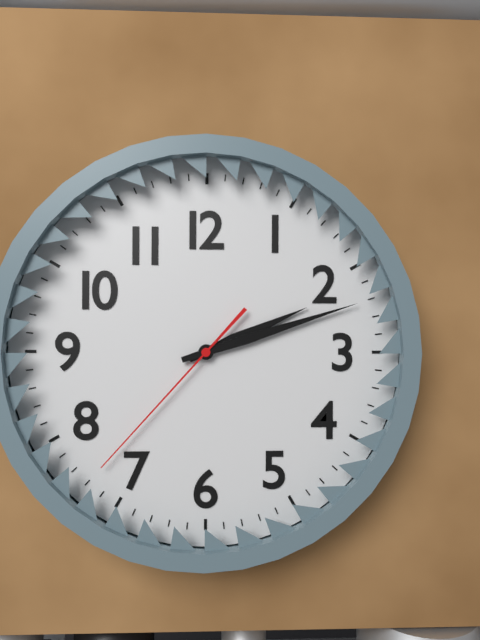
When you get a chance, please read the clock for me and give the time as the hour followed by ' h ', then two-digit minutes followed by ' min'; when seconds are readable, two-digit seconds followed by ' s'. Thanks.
2 h 12 min 37 s
